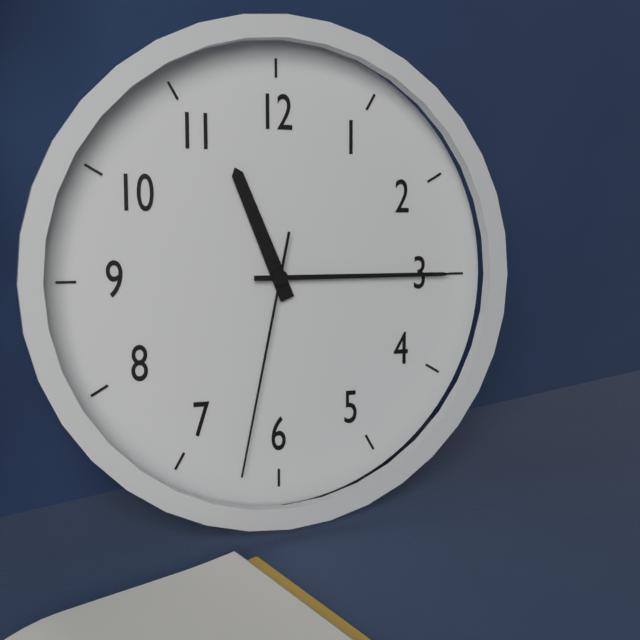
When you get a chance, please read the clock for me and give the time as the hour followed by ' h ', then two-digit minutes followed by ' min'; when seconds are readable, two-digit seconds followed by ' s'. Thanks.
11 h 15 min 32 s
